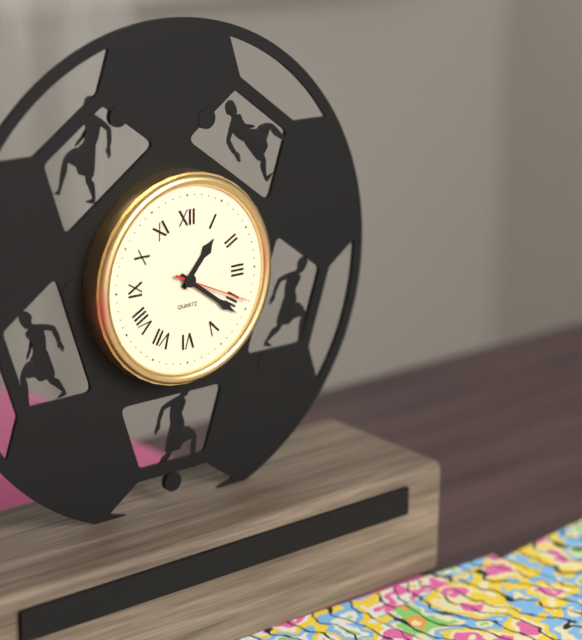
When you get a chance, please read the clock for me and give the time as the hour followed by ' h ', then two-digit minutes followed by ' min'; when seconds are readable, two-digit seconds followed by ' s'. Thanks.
1 h 21 min 19 s
